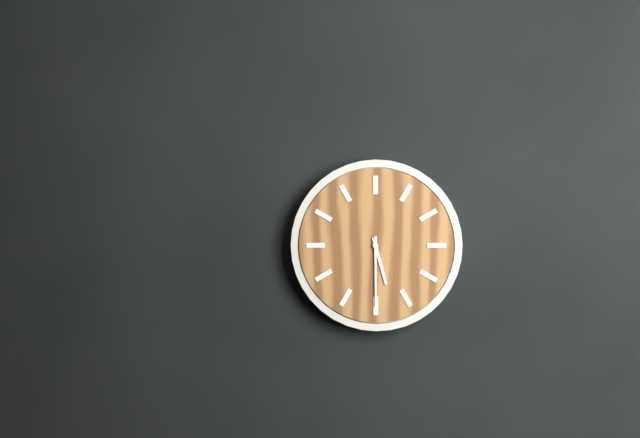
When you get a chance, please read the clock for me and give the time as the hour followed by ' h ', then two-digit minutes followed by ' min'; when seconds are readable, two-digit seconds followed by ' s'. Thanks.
5 h 30 min
